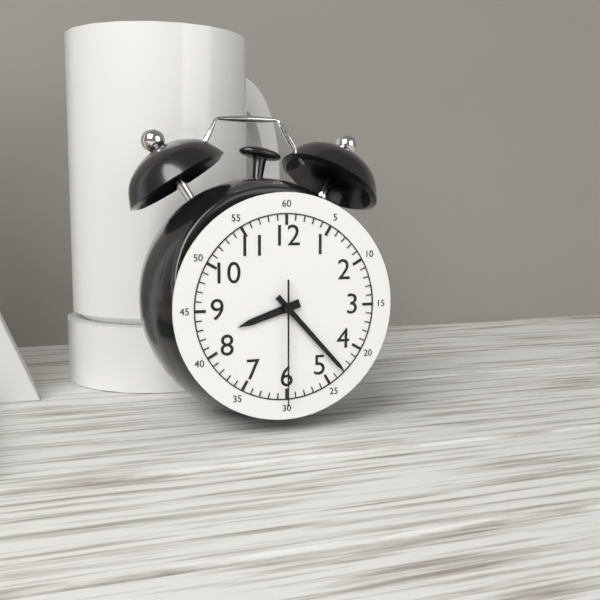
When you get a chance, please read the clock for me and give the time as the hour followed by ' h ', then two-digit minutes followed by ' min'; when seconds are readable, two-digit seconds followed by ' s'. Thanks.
8 h 23 min 30 s
